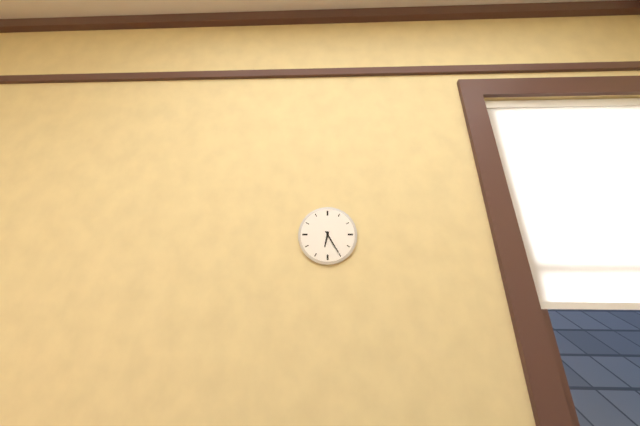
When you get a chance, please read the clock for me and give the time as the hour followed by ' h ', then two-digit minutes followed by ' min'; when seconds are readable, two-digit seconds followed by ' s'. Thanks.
6 h 25 min
